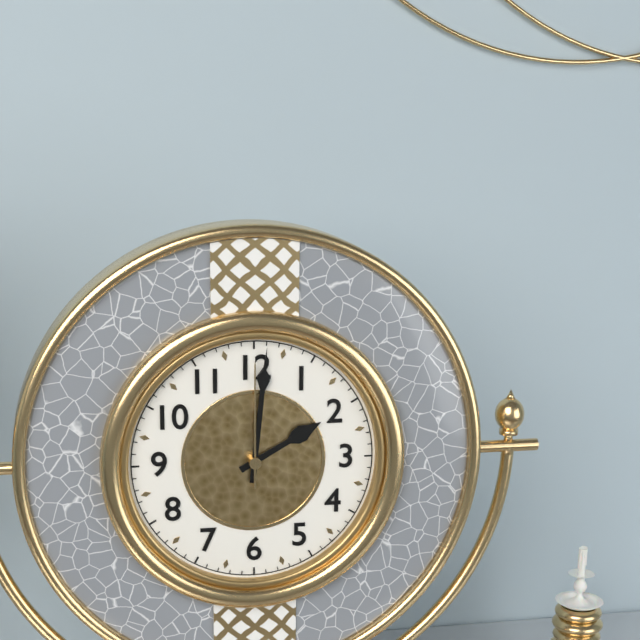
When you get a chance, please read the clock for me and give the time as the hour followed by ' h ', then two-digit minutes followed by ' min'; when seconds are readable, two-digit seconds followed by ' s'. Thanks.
2 h 01 min 00 s
